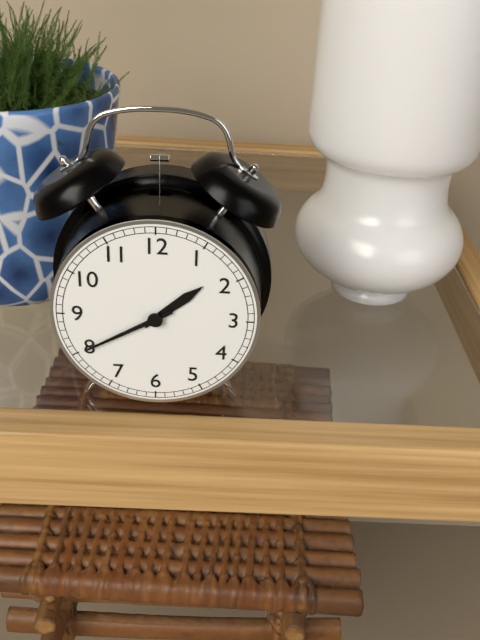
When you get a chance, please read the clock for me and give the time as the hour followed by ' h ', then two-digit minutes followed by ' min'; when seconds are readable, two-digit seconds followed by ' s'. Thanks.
1 h 40 min
